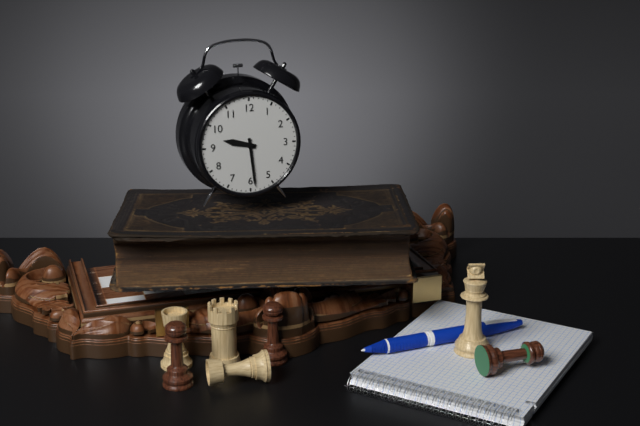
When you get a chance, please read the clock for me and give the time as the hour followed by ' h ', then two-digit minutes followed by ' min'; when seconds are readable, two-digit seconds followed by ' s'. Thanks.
9 h 29 min
